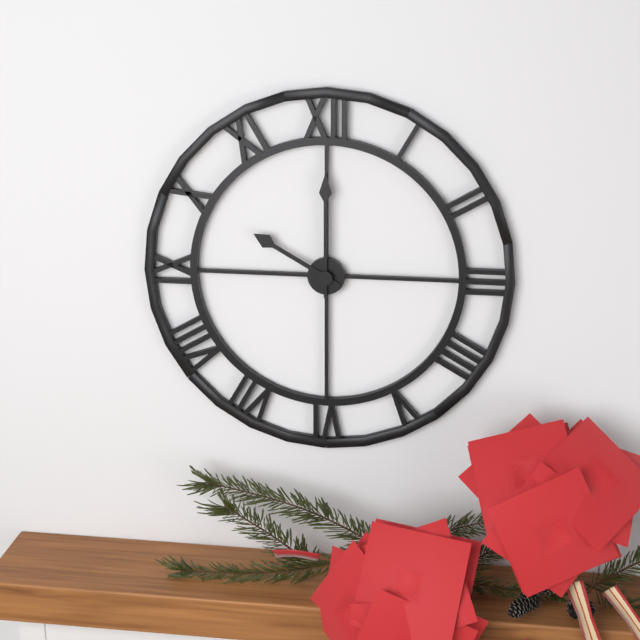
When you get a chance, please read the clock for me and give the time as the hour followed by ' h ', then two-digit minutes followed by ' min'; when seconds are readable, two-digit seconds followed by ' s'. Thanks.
10 h 00 min
